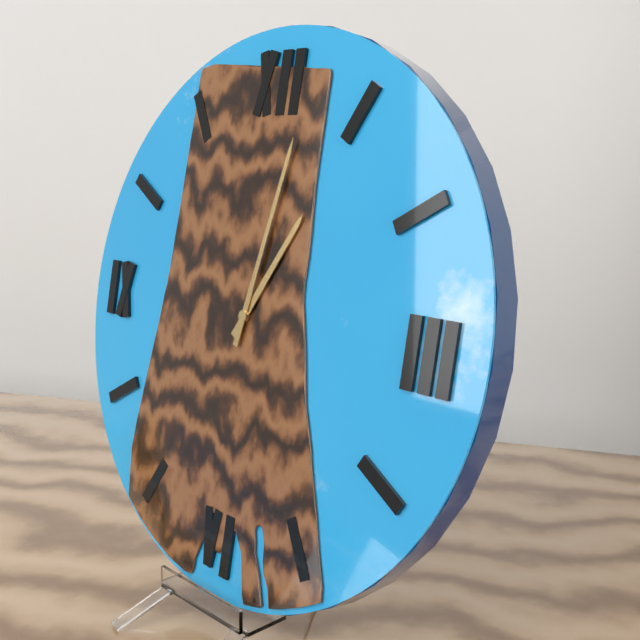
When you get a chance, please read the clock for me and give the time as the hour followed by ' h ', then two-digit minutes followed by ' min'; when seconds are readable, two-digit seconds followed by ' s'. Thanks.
1 h 02 min
